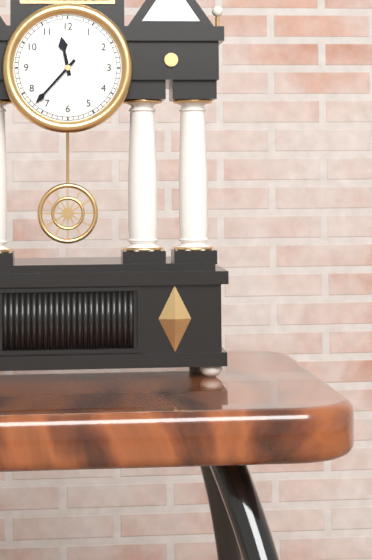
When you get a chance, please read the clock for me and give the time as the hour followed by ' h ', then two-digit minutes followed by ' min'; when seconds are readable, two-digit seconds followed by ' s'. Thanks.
11 h 37 min
